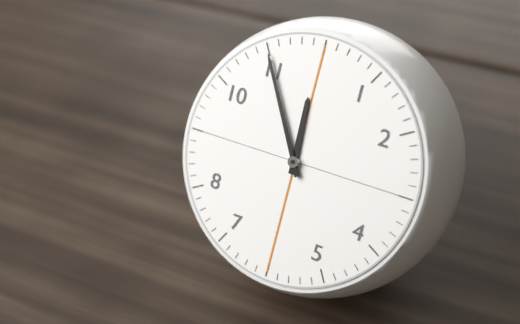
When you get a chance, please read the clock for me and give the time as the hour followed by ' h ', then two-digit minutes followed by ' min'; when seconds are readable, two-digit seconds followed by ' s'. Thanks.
11 h 55 min
